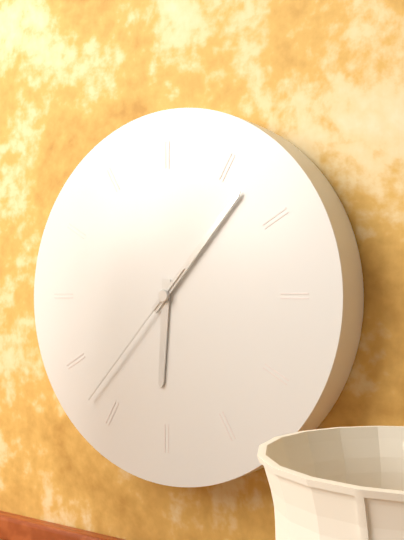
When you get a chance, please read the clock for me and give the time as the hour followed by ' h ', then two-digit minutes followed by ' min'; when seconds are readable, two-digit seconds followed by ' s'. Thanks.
6 h 07 min 37 s
